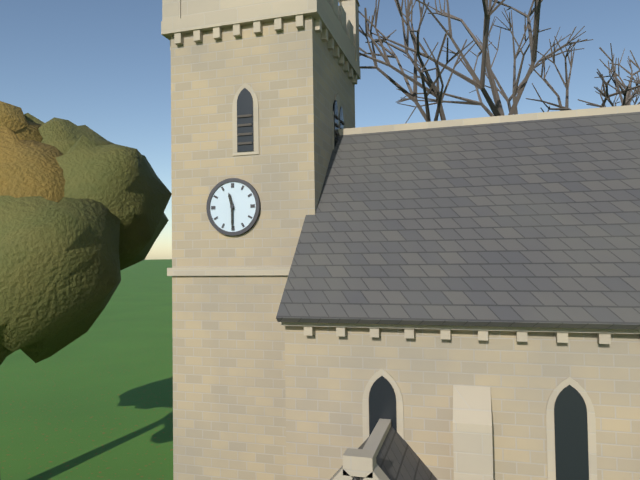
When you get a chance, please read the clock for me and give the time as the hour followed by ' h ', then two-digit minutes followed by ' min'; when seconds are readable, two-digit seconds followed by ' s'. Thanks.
11 h 30 min
